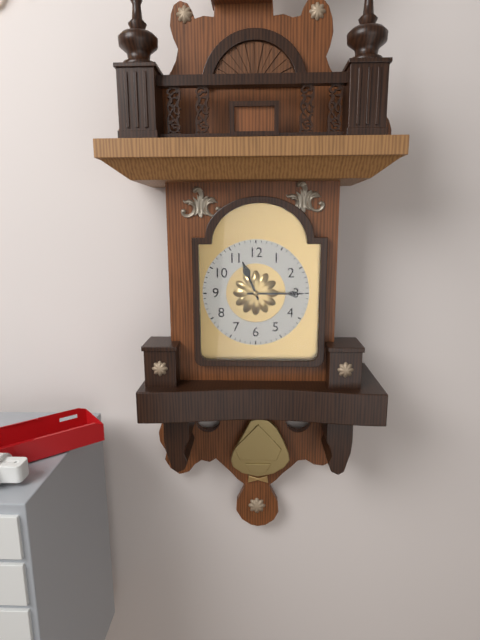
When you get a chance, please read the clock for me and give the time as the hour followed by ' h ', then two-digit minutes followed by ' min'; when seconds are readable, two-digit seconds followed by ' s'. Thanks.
11 h 15 min
